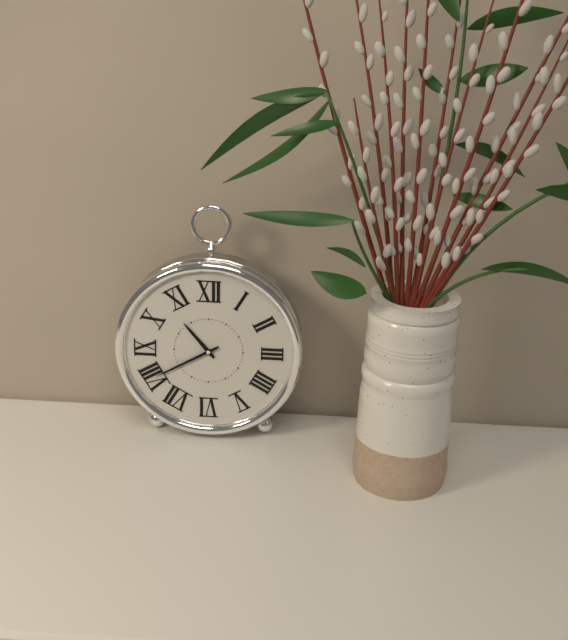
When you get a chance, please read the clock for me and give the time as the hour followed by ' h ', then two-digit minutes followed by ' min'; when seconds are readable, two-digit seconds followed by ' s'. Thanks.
10 h 40 min
